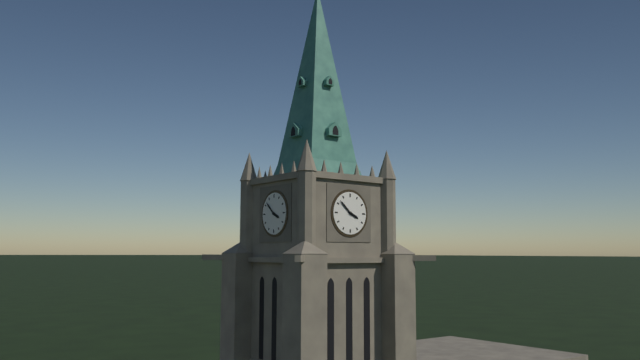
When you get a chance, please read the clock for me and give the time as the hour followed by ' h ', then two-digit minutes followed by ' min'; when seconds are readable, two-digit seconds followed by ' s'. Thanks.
3 h 52 min
